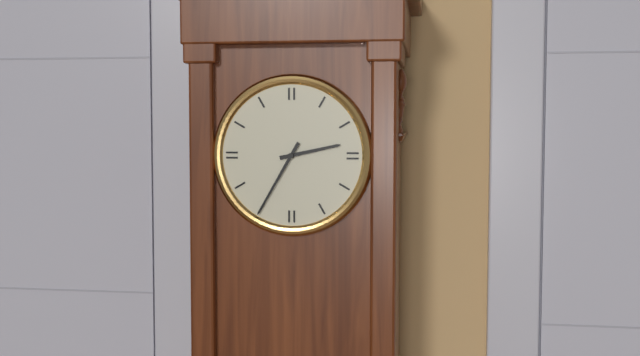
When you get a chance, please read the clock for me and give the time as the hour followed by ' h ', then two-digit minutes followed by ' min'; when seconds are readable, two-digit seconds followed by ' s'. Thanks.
2 h 35 min
